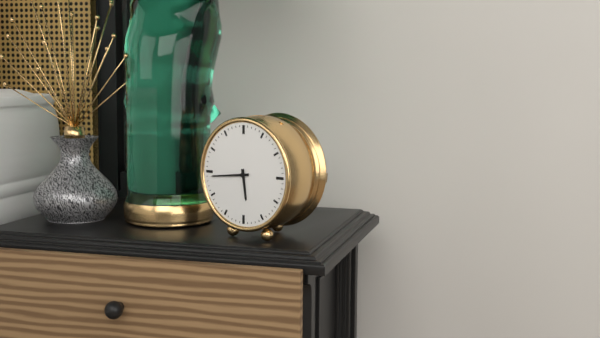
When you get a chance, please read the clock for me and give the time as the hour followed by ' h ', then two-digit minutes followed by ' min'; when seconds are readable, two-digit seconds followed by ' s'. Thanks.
5 h 44 min
